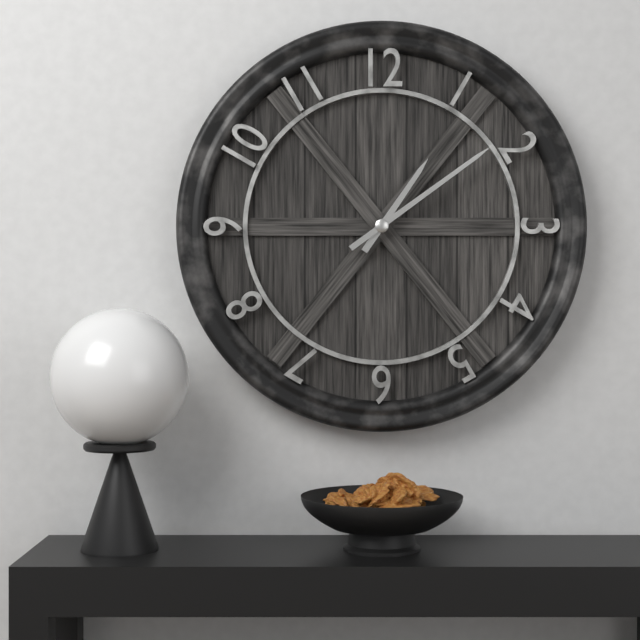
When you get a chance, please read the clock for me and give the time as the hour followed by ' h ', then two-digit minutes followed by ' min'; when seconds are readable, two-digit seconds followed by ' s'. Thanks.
1 h 09 min
